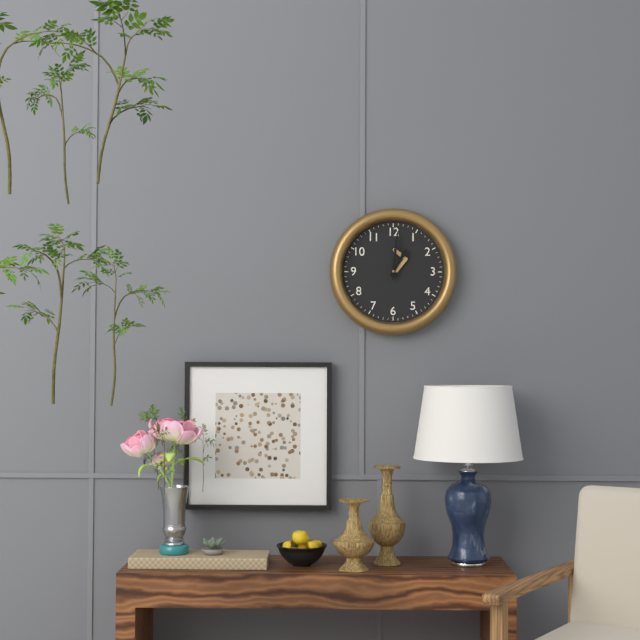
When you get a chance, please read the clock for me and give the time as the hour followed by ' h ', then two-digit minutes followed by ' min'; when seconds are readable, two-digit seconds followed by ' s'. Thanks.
1 h 01 min
